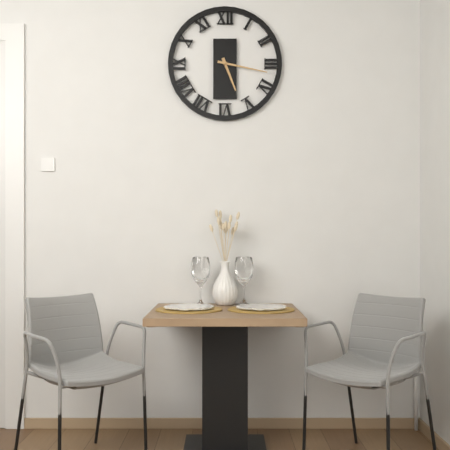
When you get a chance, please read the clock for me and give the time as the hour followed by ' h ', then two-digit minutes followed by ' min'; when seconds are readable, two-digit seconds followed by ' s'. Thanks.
5 h 17 min
